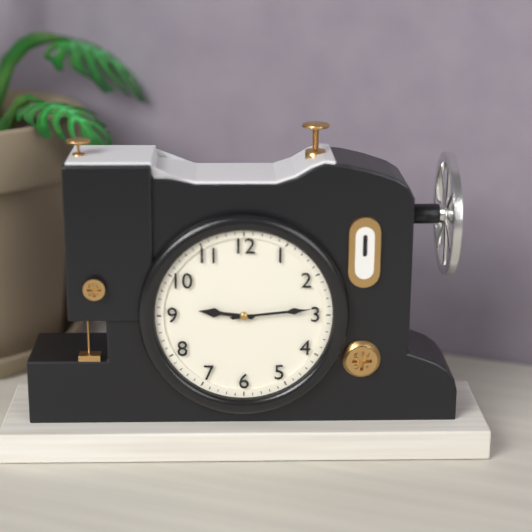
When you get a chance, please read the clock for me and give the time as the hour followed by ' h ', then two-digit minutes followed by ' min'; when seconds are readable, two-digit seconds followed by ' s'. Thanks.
9 h 14 min
